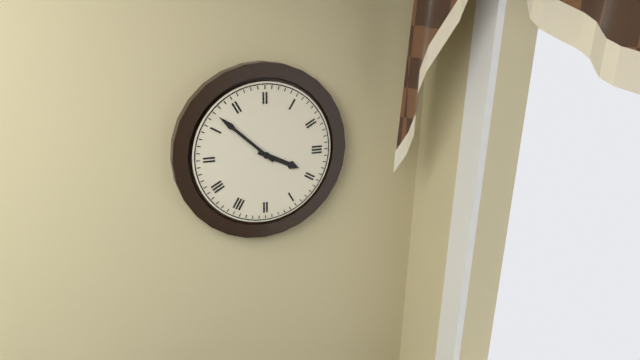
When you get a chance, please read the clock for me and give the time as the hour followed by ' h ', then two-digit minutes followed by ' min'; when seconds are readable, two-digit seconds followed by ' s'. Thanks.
3 h 52 min
